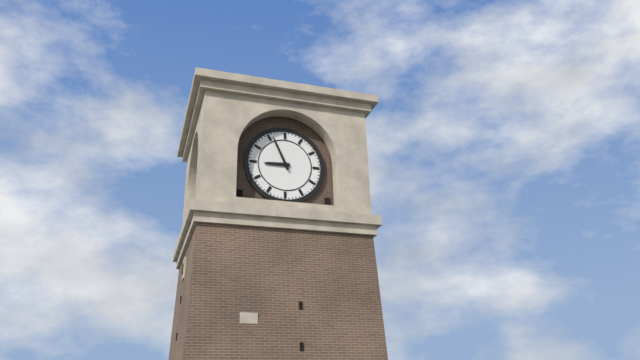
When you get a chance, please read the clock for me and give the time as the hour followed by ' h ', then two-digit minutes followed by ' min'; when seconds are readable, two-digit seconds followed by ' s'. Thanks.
8 h 56 min
